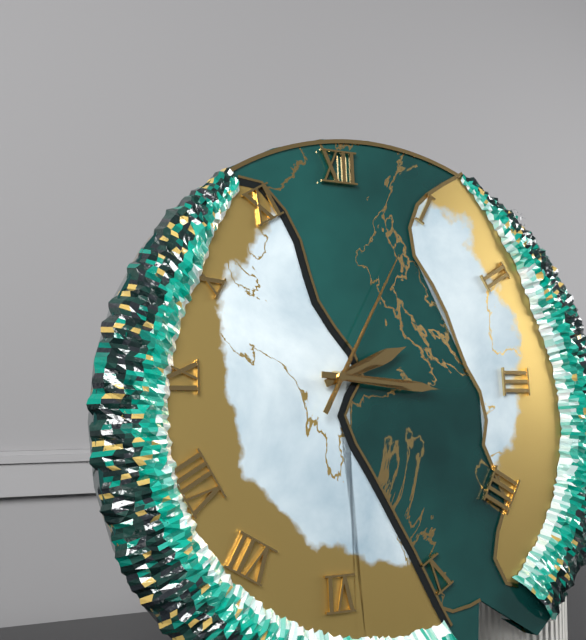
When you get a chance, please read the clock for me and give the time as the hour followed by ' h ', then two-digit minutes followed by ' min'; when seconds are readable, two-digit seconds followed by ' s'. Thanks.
2 h 16 min 05 s
